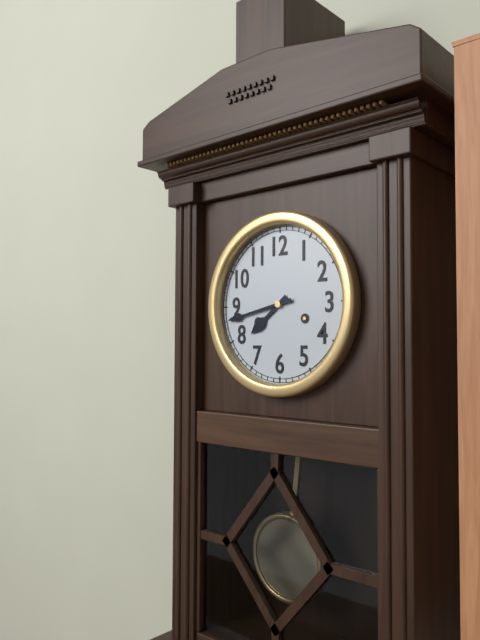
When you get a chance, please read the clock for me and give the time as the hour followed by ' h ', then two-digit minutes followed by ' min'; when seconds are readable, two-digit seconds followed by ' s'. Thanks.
7 h 43 min
